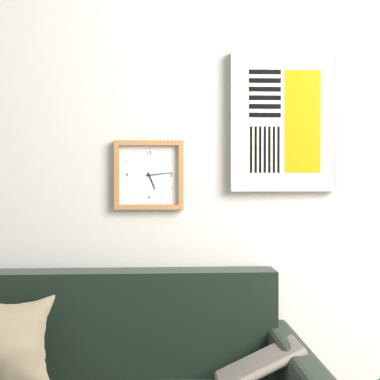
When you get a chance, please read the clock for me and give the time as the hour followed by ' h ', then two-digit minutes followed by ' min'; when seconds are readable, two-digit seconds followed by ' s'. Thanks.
5 h 14 min
